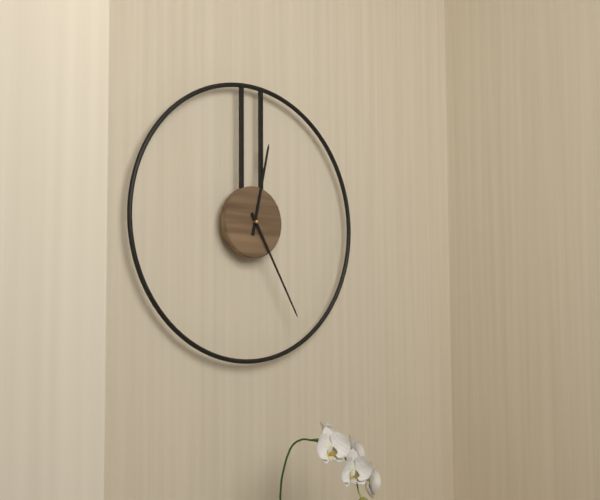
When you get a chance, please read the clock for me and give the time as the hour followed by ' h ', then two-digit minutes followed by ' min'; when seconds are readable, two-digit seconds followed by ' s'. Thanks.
12 h 25 min
